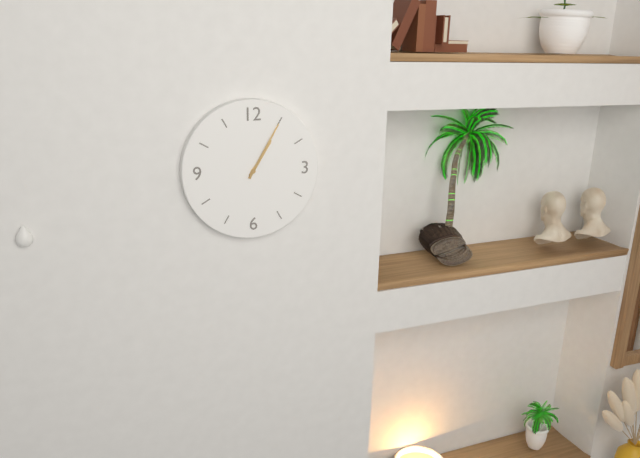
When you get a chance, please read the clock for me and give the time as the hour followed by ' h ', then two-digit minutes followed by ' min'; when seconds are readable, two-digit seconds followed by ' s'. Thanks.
1 h 05 min
